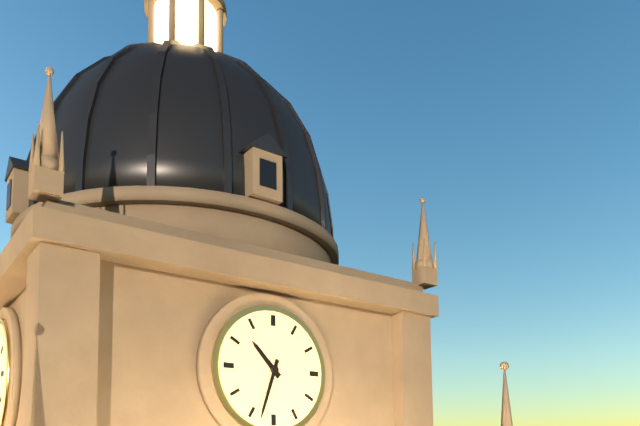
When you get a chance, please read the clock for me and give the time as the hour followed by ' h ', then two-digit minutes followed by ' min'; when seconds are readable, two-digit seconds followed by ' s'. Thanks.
10 h 33 min
